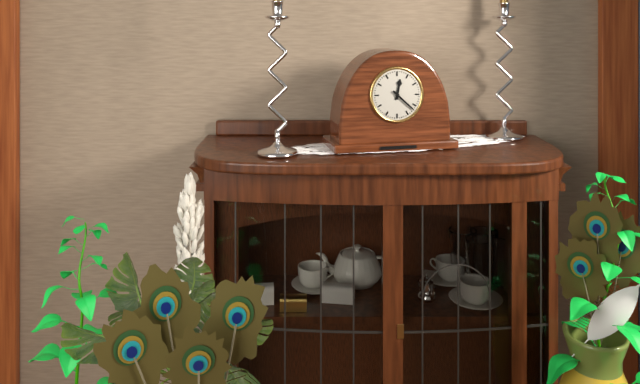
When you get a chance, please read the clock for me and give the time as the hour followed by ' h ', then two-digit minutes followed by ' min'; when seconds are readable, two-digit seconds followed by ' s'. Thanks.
12 h 22 min
